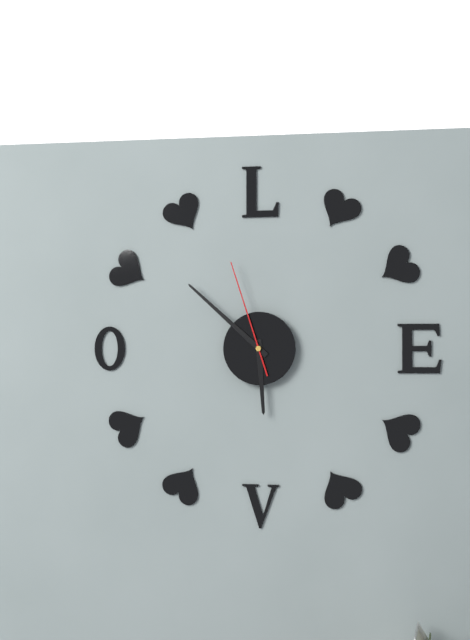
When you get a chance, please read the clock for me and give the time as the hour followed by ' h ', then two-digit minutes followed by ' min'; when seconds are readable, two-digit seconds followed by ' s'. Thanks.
5 h 52 min 57 s
